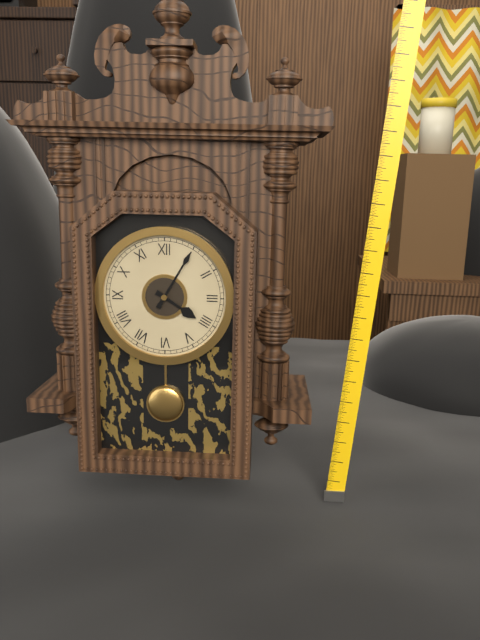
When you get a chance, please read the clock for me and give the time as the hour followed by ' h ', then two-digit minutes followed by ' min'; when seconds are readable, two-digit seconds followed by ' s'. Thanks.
4 h 05 min
